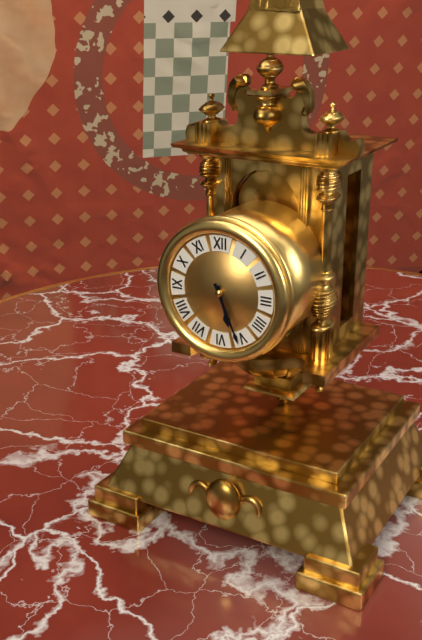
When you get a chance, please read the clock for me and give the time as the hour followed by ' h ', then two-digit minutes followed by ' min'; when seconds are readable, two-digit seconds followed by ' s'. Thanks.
5 h 26 min
